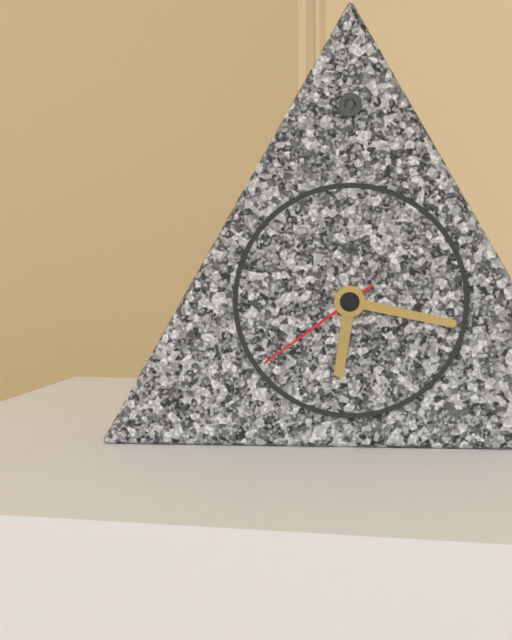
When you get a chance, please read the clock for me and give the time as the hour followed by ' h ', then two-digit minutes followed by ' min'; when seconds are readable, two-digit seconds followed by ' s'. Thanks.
6 h 17 min 39 s
